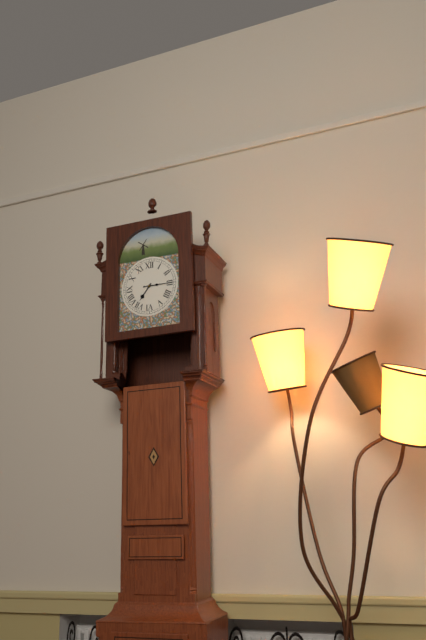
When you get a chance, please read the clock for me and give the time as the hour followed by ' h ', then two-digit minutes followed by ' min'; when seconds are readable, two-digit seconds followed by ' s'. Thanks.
7 h 15 min
